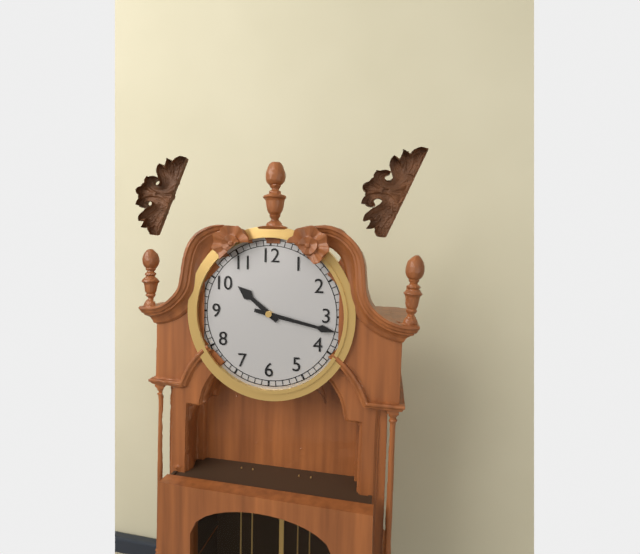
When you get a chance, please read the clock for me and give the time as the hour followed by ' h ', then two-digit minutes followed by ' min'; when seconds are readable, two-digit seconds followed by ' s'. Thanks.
10 h 17 min
